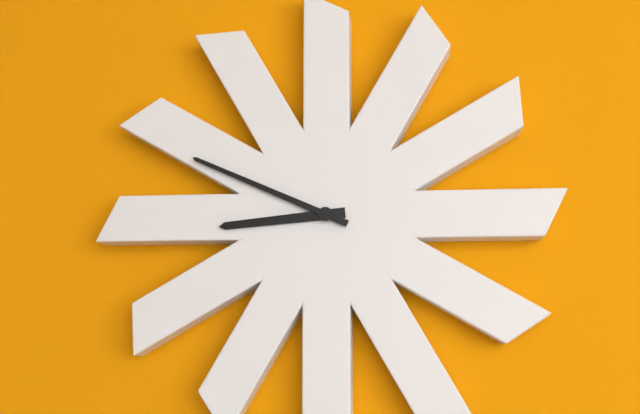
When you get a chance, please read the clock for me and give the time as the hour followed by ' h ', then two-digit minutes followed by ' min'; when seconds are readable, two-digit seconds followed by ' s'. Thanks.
8 h 49 min
